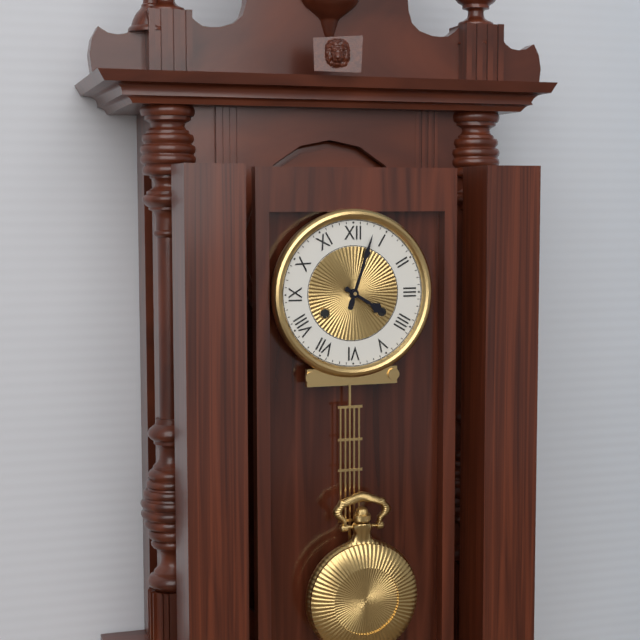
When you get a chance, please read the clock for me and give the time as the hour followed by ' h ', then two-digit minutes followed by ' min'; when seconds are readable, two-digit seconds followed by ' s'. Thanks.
4 h 03 min
